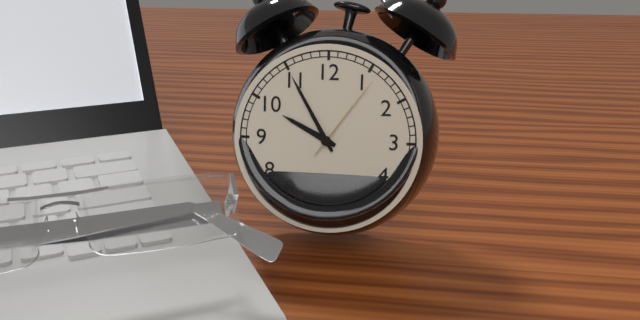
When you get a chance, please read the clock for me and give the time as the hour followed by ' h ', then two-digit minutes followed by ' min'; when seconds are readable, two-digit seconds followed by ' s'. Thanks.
9 h 55 min 06 s
